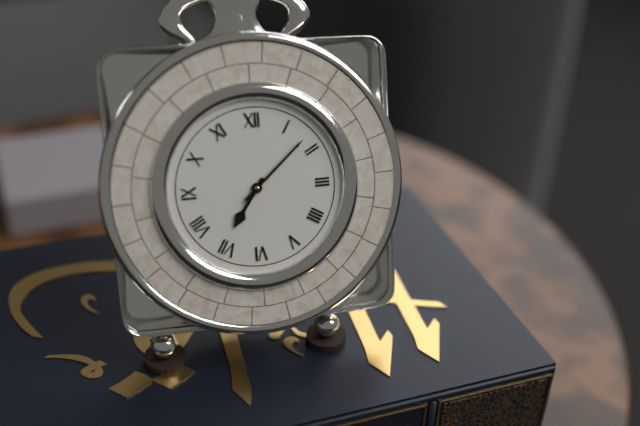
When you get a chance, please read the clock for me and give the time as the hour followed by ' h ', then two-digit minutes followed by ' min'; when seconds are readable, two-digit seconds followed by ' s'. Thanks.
7 h 08 min
